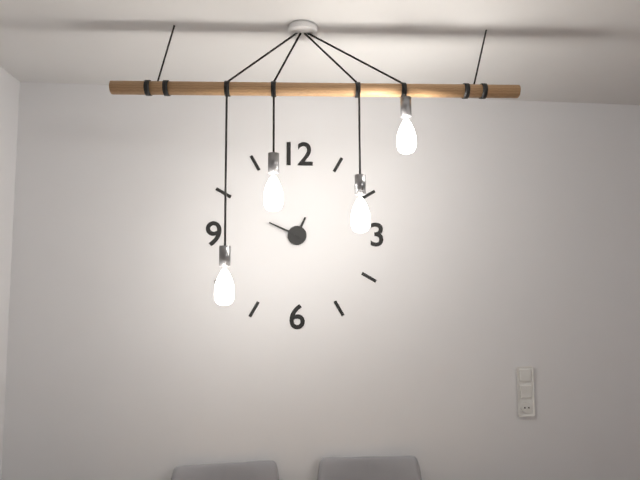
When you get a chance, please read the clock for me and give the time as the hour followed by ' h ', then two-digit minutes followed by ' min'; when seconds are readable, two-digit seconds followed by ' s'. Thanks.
12 h 49 min
